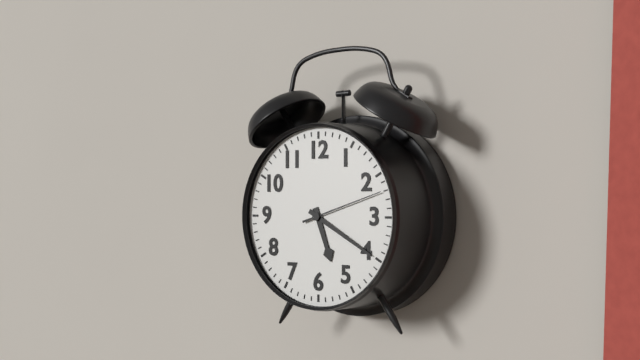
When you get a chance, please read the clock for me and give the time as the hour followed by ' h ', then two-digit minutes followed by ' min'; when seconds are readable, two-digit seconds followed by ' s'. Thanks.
5 h 20 min 12 s
